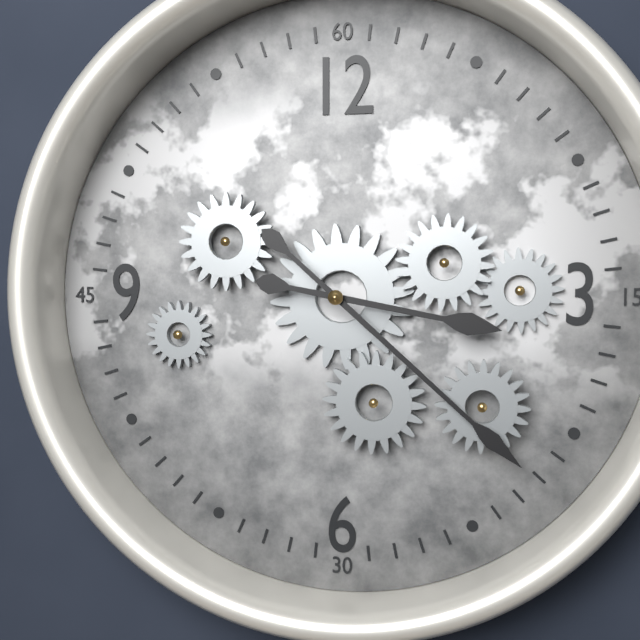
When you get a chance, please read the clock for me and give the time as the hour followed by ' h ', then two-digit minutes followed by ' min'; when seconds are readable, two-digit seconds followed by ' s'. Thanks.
3 h 22 min
